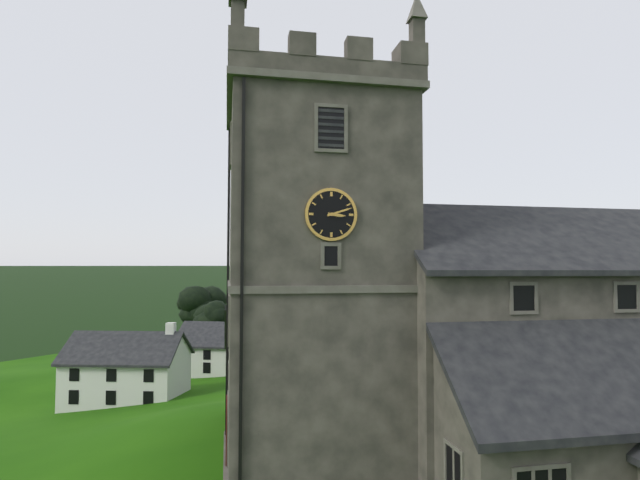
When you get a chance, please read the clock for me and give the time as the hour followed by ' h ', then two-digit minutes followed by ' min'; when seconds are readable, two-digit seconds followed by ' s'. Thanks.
3 h 12 min
